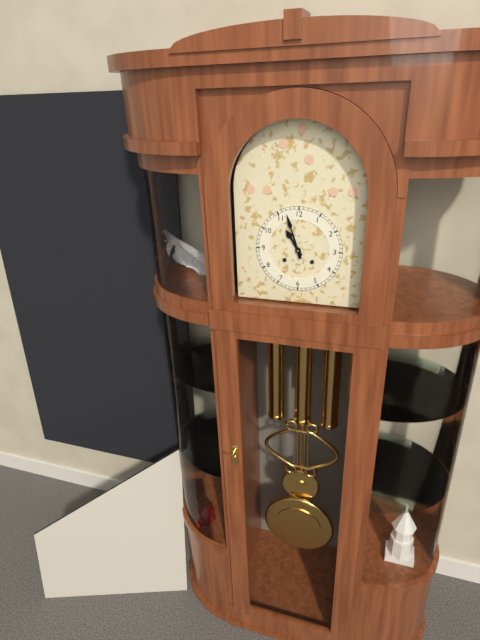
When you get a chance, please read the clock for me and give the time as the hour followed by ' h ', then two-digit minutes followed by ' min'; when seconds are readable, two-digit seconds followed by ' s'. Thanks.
10 h 57 min
